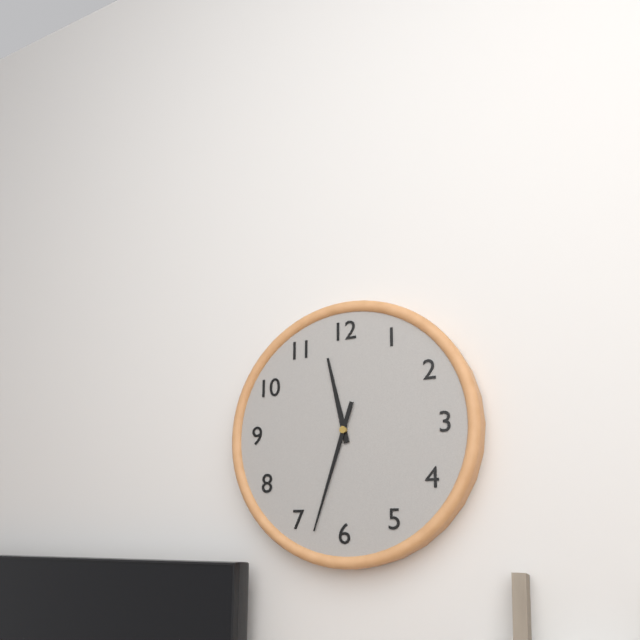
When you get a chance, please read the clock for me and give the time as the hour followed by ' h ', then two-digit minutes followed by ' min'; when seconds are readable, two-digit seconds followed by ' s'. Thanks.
11 h 33 min
